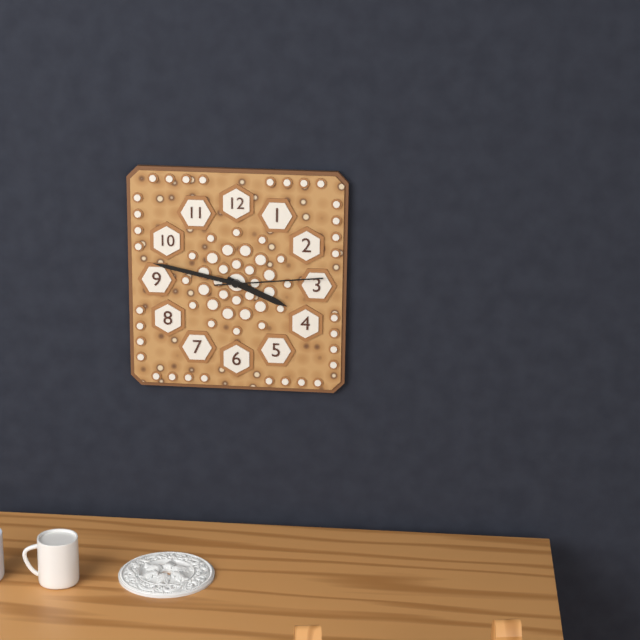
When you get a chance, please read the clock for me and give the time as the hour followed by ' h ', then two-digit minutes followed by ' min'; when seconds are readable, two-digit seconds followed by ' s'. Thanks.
3 h 47 min 14 s
